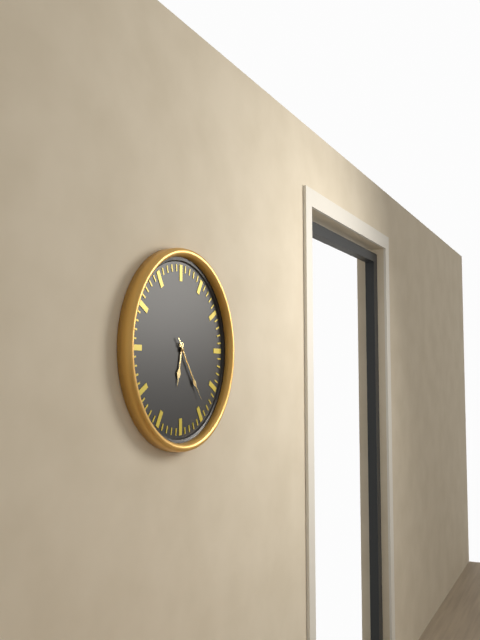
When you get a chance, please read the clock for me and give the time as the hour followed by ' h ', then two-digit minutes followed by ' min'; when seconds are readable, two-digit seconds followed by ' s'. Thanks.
6 h 24 min 24 s
